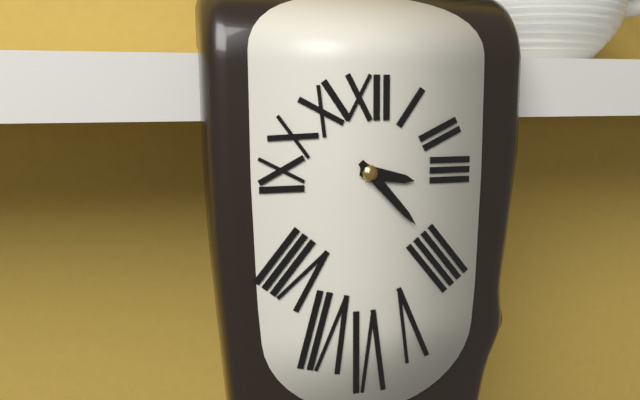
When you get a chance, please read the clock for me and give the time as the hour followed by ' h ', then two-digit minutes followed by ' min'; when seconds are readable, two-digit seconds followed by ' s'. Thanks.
3 h 23 min
